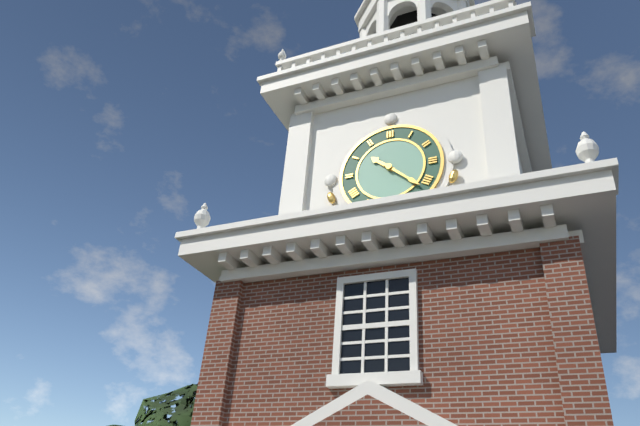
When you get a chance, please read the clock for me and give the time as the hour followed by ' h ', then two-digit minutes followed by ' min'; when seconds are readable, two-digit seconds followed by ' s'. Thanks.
10 h 22 min
